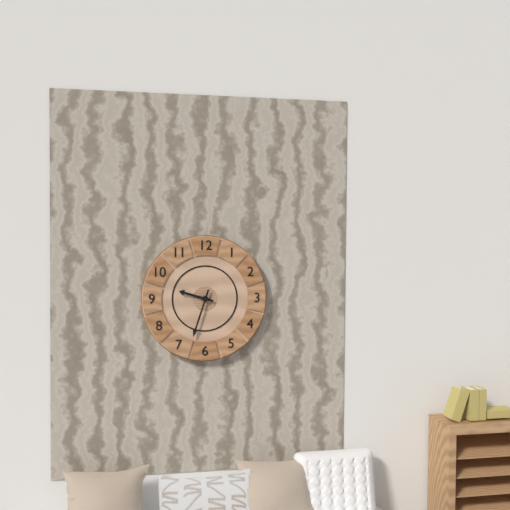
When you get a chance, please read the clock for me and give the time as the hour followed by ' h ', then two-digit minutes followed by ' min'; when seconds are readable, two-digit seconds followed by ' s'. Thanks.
9 h 33 min
